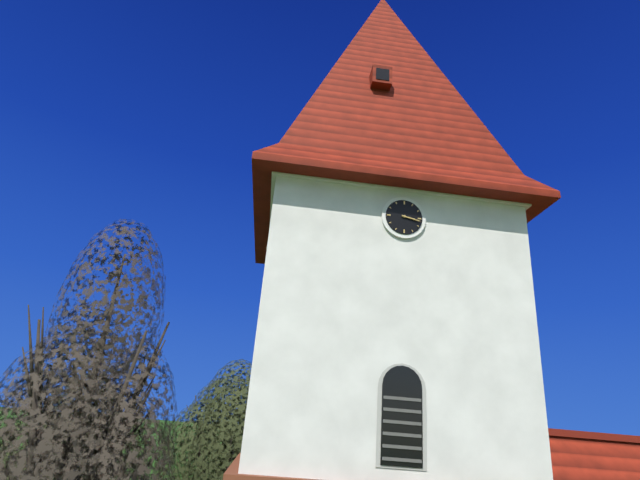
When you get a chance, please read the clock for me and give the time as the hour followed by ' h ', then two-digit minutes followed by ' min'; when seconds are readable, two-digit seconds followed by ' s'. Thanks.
3 h 17 min
